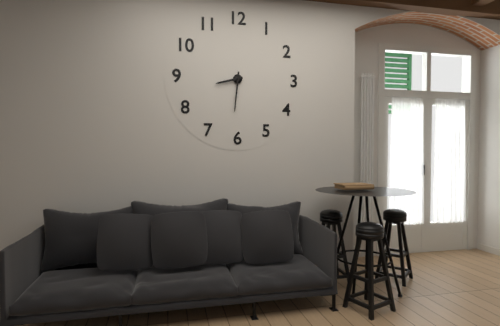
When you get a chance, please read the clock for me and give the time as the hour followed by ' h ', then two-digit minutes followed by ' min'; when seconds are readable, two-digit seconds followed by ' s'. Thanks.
8 h 31 min
